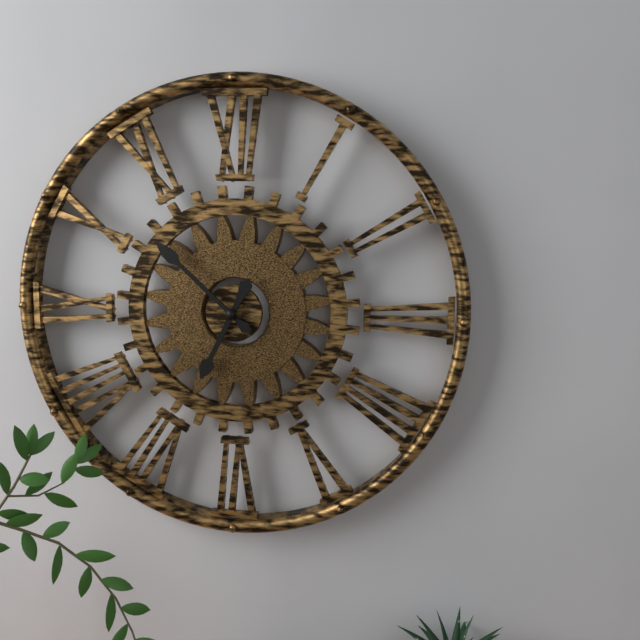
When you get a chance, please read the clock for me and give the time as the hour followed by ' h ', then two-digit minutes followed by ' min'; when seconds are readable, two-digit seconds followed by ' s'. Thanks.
6 h 52 min
